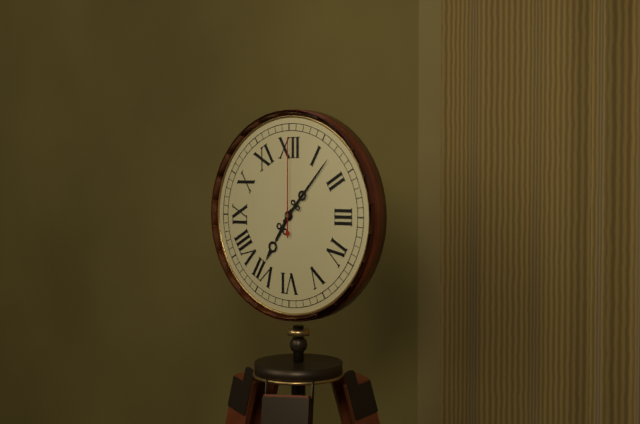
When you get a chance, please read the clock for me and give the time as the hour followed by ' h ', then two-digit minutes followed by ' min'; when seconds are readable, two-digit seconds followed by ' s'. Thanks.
7 h 07 min 00 s
